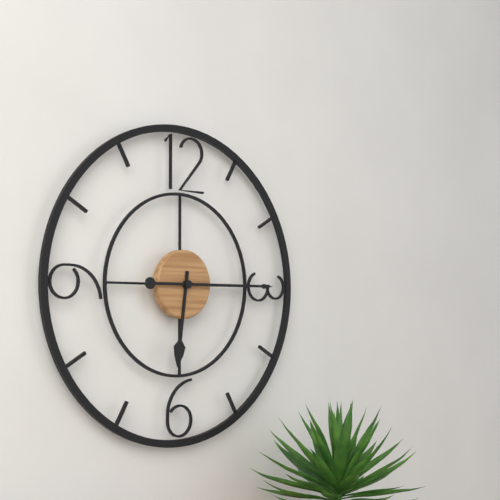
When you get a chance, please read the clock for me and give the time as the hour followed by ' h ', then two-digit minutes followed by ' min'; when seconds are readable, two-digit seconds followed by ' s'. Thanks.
6 h 15 min
